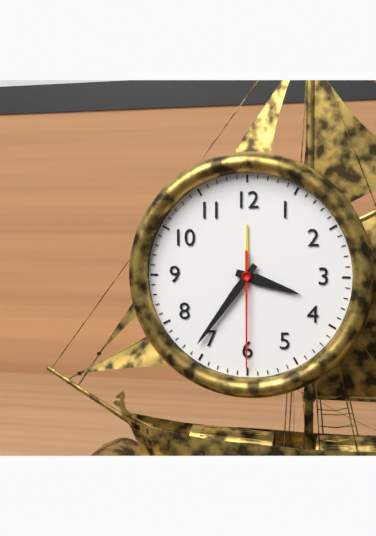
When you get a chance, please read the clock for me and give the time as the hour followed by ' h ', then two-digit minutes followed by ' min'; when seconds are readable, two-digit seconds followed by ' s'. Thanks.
3 h 36 min 30 s
